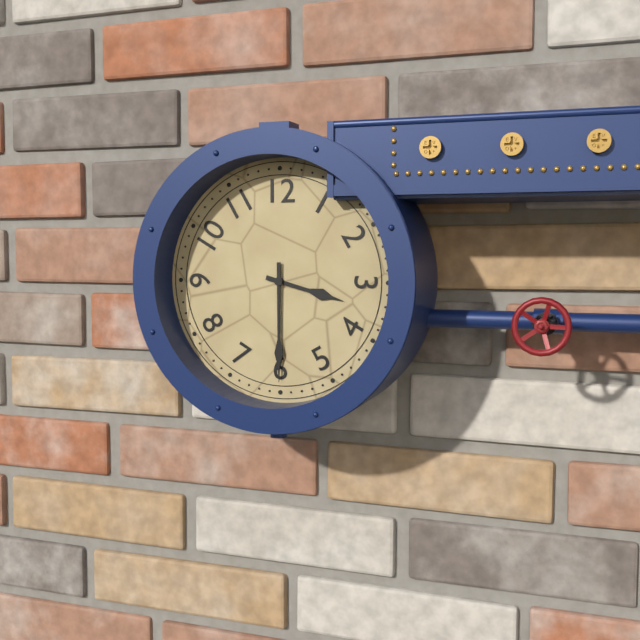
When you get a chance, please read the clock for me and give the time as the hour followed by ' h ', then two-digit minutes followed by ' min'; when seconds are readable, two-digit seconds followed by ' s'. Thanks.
3 h 30 min
